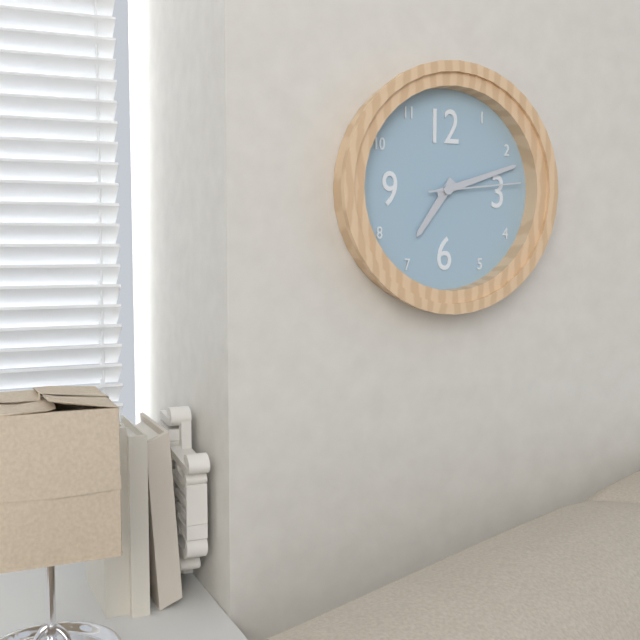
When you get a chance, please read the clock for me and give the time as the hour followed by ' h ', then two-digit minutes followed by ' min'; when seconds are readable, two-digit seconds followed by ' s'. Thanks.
7 h 12 min 14 s
